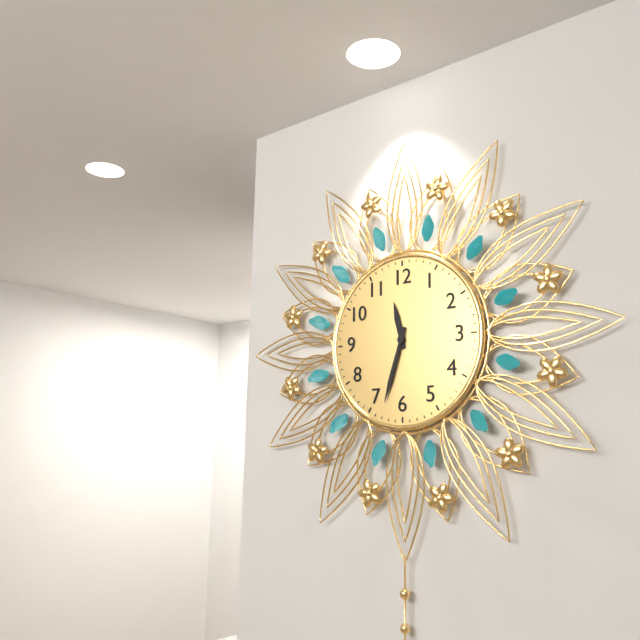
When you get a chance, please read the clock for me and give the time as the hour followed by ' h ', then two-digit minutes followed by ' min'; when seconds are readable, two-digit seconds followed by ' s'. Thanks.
11 h 33 min
